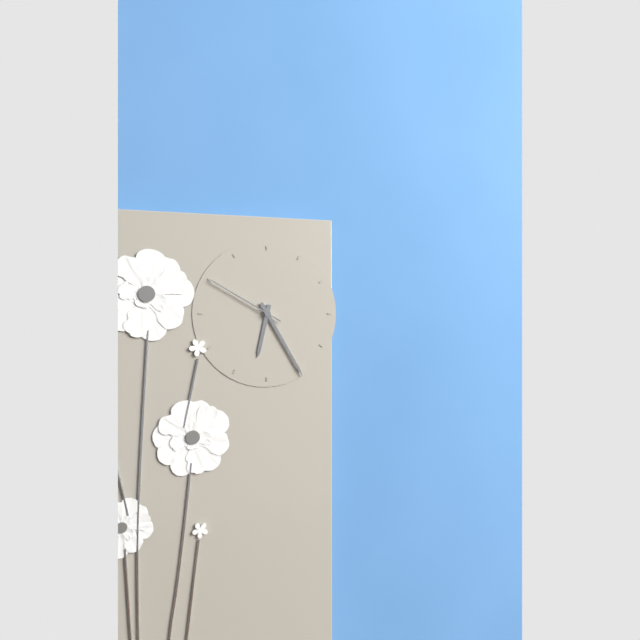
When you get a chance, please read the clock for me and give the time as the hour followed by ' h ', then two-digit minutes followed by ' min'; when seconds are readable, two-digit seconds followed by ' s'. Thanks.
6 h 25 min 50 s
